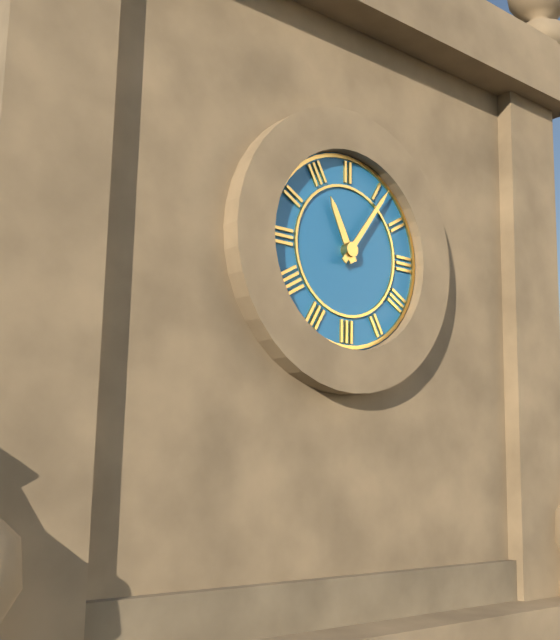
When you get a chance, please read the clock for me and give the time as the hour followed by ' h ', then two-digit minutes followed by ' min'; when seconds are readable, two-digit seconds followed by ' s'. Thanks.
11 h 06 min
